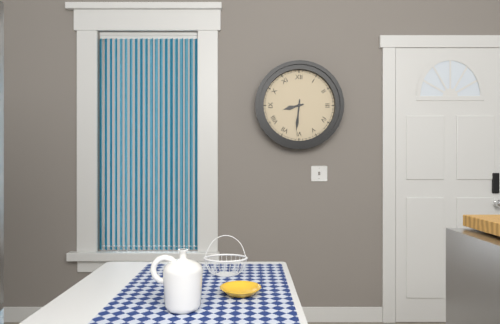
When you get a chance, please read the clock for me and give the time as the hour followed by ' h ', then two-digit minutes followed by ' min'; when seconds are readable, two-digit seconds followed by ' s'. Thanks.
8 h 31 min
